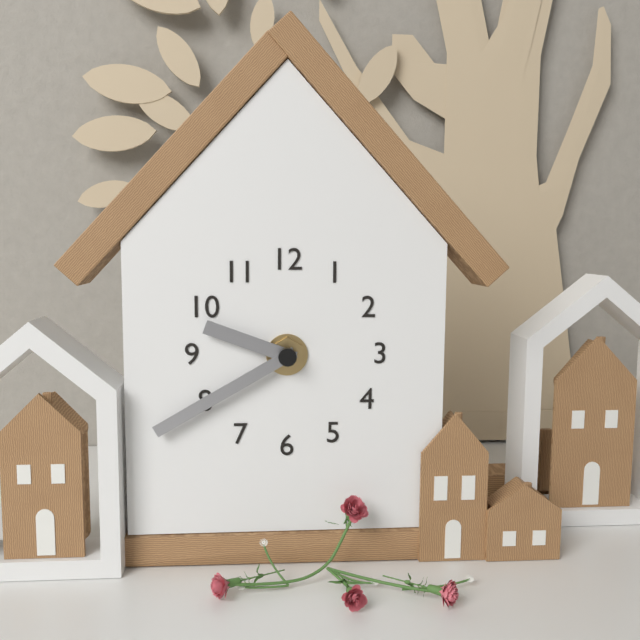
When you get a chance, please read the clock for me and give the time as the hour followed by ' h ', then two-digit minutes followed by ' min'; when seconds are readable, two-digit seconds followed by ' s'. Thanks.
9 h 40 min
